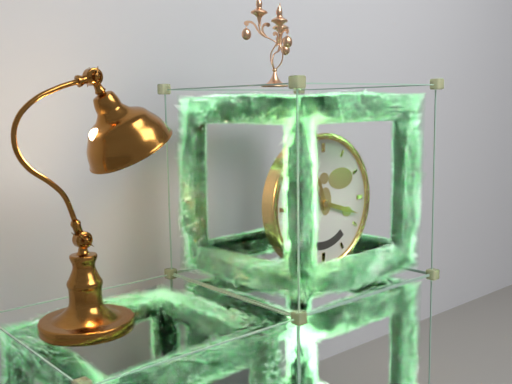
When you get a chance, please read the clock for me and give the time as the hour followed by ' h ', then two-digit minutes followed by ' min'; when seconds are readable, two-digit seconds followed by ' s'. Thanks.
11 h 18 min
